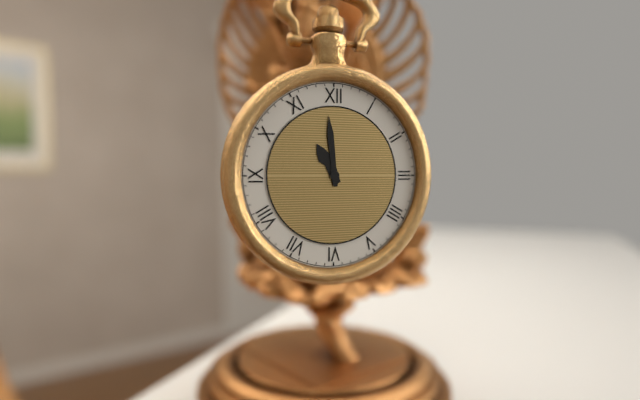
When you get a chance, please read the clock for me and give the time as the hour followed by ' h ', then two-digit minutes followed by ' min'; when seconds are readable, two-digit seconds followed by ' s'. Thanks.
10 h 59 min
